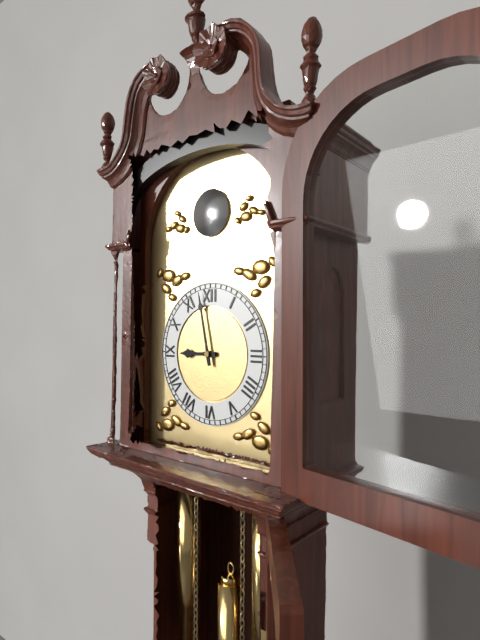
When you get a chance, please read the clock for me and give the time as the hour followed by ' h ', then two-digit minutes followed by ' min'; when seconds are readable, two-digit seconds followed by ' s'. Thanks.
8 h 58 min
